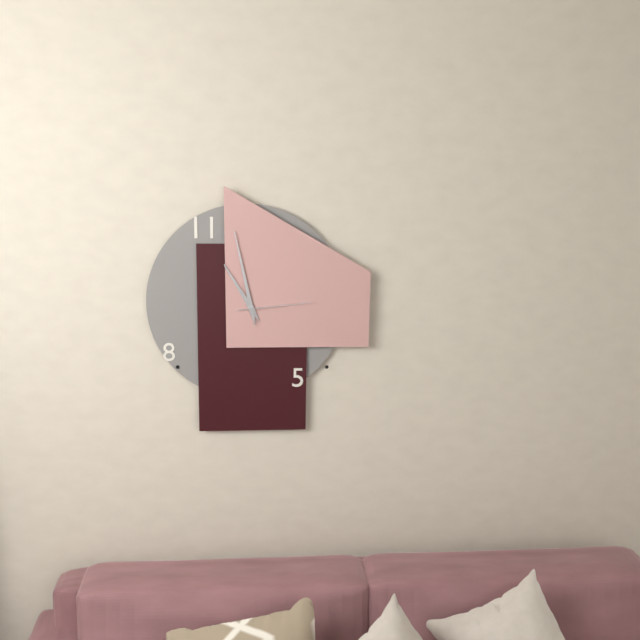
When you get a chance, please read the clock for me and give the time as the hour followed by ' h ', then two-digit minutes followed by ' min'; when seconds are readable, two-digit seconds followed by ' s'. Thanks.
10 h 58 min 14 s
